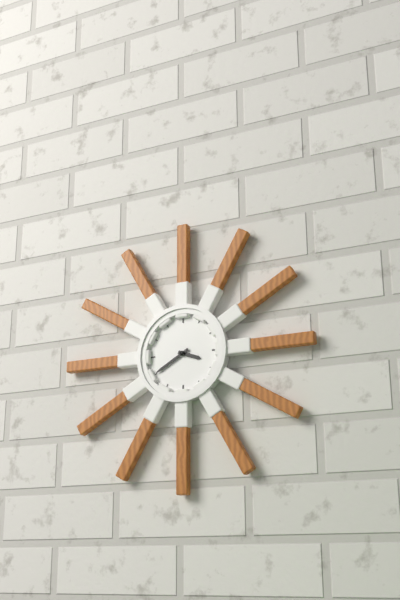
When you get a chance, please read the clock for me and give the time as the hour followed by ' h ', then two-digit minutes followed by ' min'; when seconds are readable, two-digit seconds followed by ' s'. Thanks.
3 h 40 min
